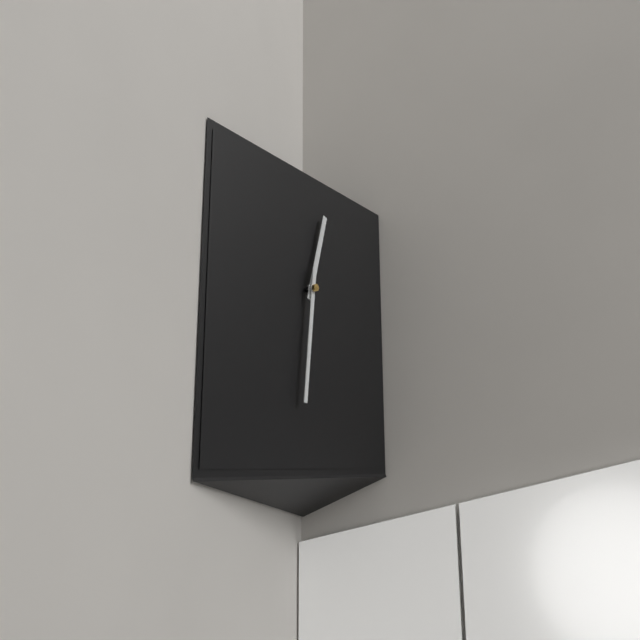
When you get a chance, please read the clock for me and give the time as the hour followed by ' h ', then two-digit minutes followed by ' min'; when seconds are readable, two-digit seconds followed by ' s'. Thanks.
12 h 31 min
